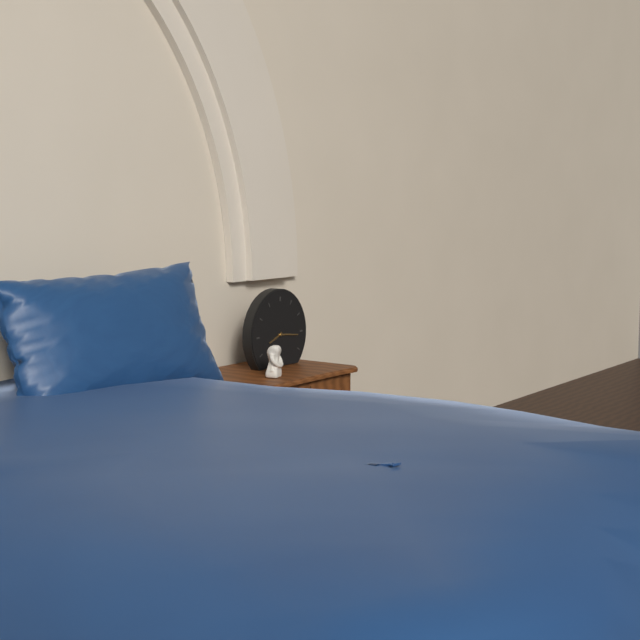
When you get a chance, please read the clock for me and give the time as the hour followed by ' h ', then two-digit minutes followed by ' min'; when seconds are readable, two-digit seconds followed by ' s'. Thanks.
8 h 16 min
